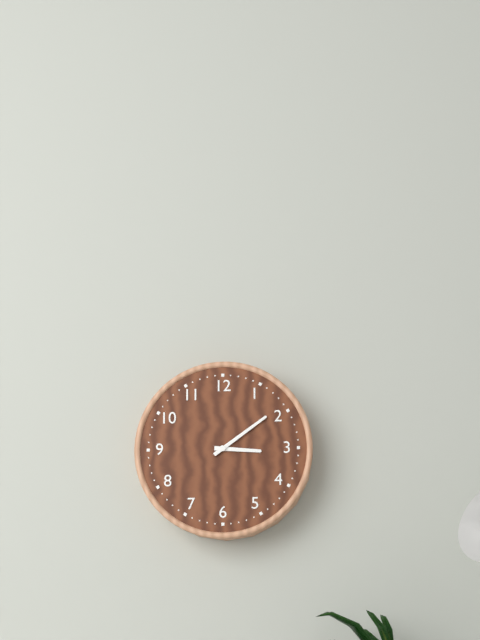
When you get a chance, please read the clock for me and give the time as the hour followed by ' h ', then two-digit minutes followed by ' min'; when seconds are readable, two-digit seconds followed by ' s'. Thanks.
3 h 09 min
